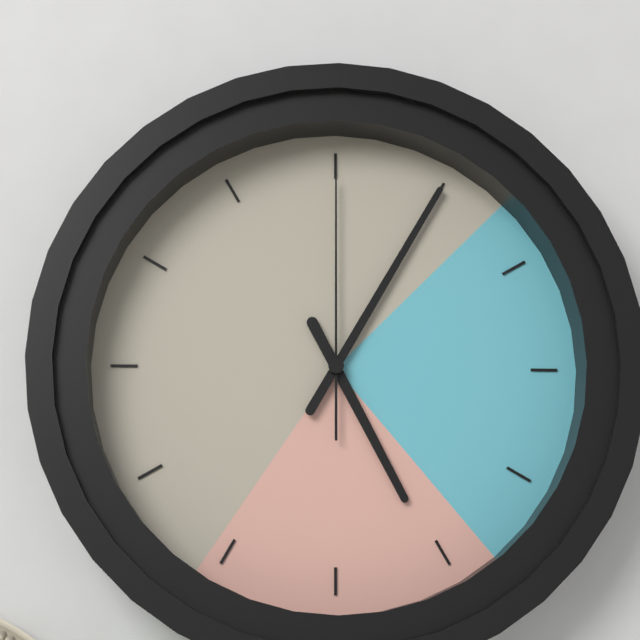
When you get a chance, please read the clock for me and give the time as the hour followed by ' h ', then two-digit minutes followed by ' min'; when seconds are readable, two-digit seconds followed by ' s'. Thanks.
5 h 05 min 00 s
